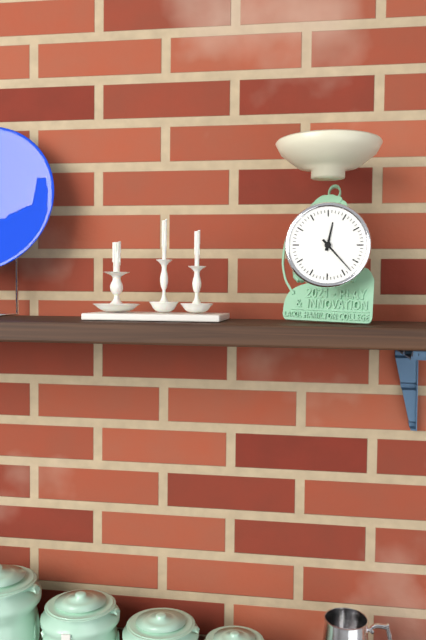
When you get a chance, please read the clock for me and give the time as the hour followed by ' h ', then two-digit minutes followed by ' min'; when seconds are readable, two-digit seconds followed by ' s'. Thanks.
12 h 23 min
